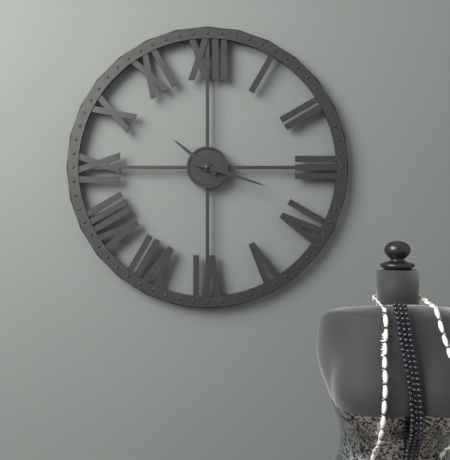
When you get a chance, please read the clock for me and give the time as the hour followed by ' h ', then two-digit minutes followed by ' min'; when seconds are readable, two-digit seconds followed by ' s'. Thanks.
10 h 18 min
